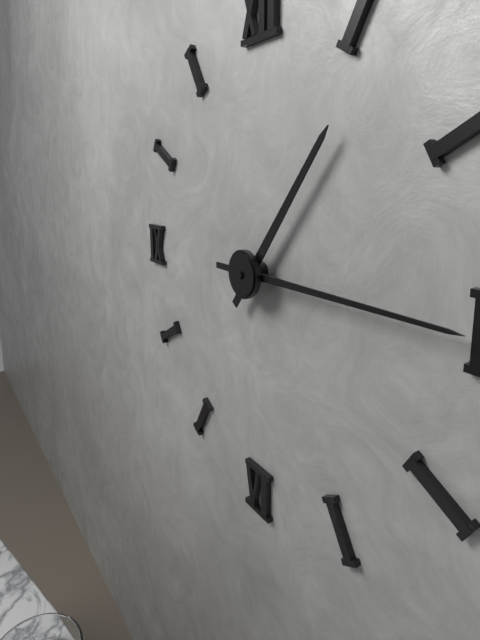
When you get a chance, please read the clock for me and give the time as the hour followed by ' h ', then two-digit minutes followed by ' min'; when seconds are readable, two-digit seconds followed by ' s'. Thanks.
1 h 15 min
